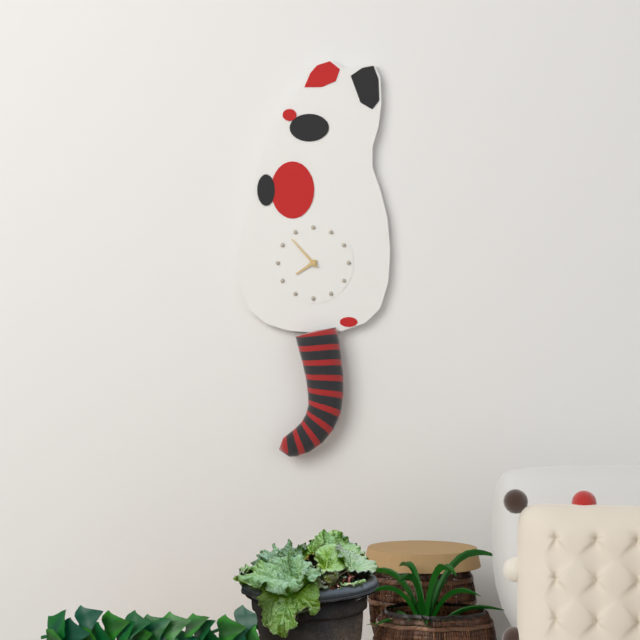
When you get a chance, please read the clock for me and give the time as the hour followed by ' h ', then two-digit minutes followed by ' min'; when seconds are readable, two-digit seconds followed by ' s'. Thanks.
7 h 53 min
